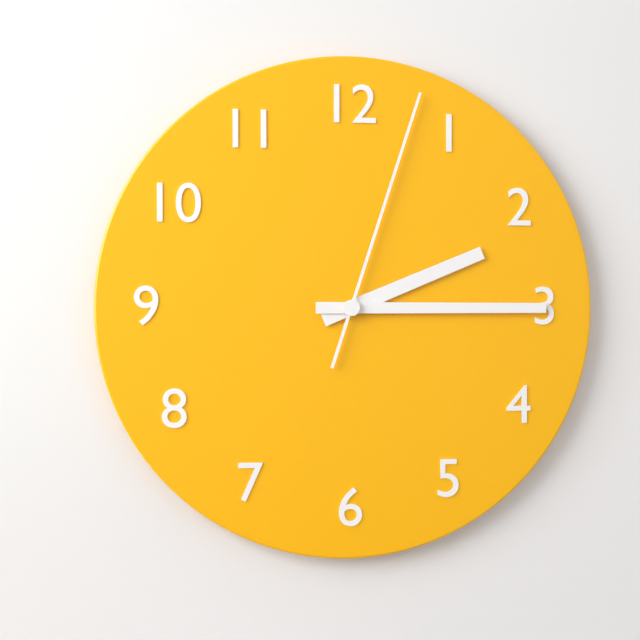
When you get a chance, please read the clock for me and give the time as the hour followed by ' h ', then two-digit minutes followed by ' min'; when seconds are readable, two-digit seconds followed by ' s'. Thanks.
2 h 15 min 03 s
